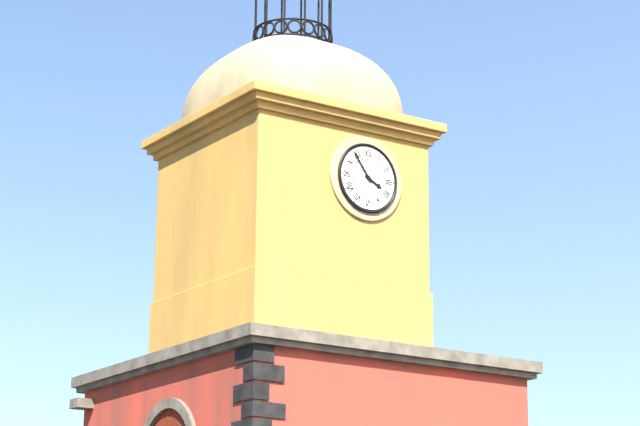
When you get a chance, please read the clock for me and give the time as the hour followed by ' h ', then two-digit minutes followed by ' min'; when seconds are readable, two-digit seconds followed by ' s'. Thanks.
3 h 54 min
